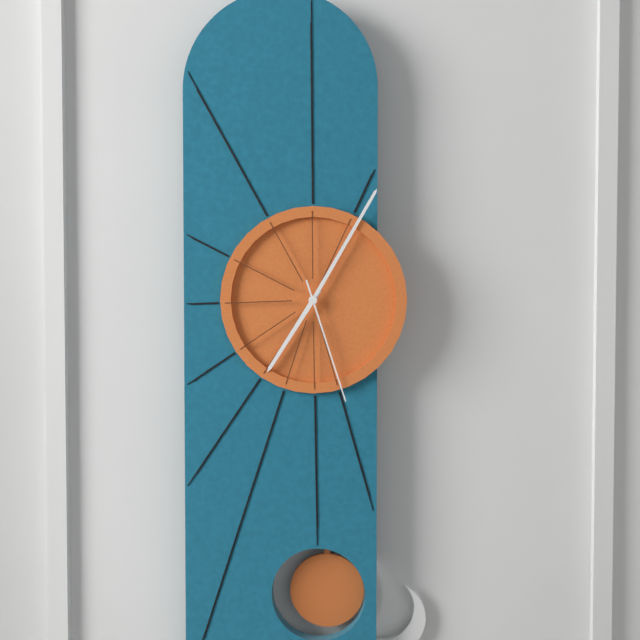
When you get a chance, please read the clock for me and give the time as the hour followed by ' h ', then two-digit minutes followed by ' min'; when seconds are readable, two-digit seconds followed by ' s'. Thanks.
7 h 05 min 27 s
